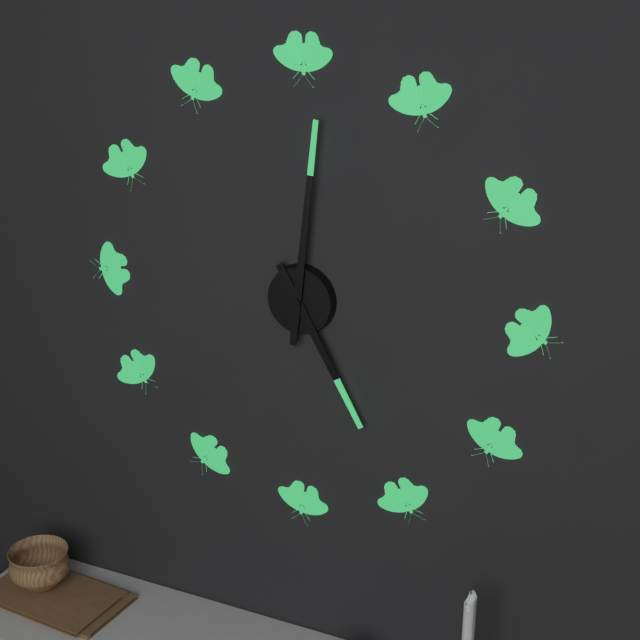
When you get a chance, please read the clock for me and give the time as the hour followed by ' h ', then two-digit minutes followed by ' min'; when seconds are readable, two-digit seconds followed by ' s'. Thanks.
5 h 01 min
